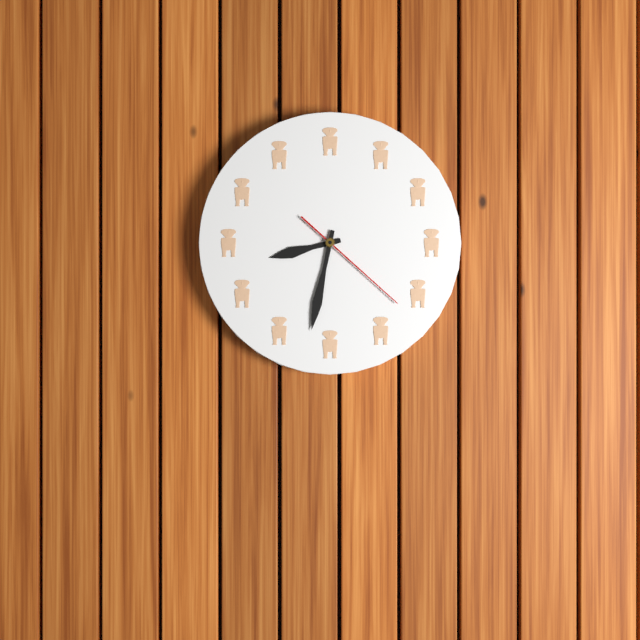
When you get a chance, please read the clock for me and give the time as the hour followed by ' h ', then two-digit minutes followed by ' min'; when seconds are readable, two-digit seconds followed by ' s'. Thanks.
8 h 32 min 22 s
